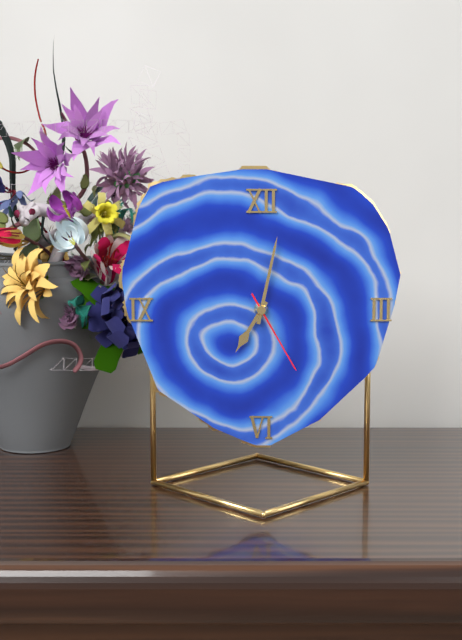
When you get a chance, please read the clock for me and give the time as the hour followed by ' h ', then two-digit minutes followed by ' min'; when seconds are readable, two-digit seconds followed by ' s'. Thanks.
7 h 02 min 25 s
